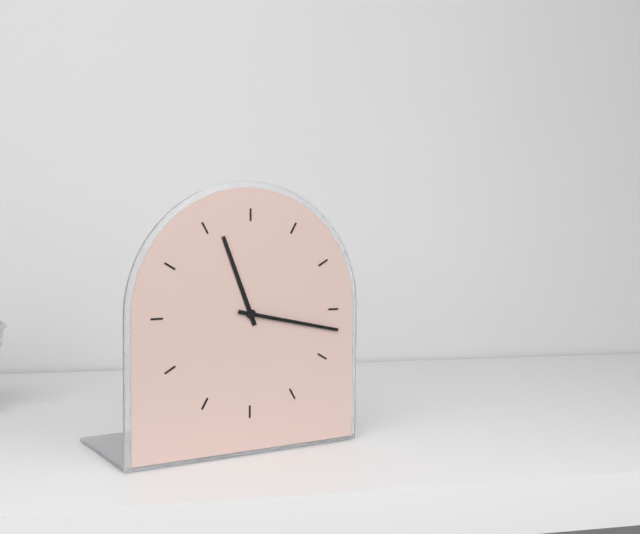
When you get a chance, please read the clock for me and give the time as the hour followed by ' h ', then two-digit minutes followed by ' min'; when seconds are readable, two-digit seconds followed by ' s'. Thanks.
11 h 17 min
